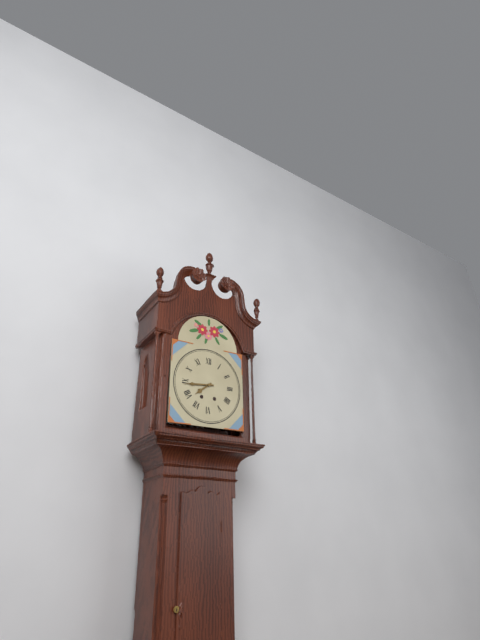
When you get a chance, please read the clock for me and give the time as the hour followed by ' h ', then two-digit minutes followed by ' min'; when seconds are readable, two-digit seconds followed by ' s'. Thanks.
7 h 44 min
